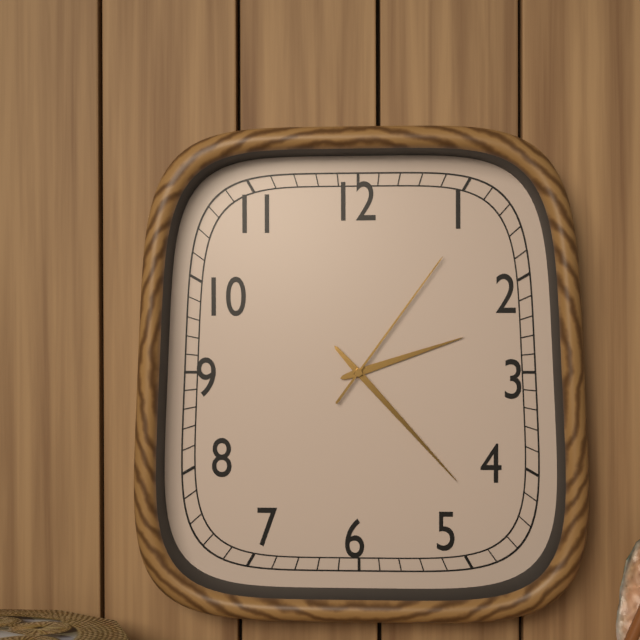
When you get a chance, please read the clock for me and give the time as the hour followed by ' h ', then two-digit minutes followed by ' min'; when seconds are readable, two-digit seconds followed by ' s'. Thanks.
2 h 23 min 06 s
